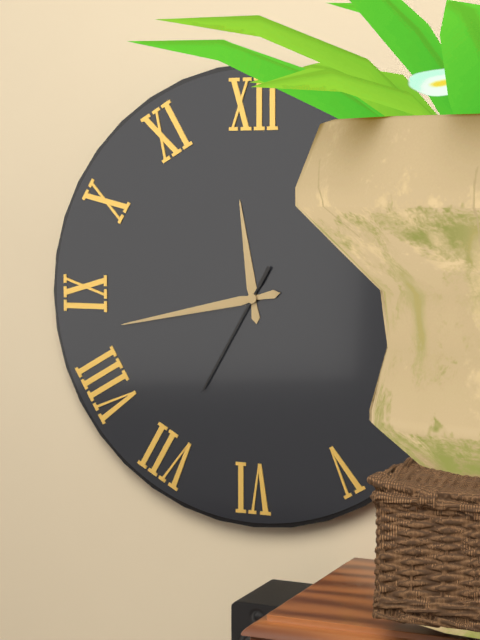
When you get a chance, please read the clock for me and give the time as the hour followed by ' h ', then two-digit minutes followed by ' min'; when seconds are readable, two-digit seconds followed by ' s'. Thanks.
11 h 43 min 35 s
